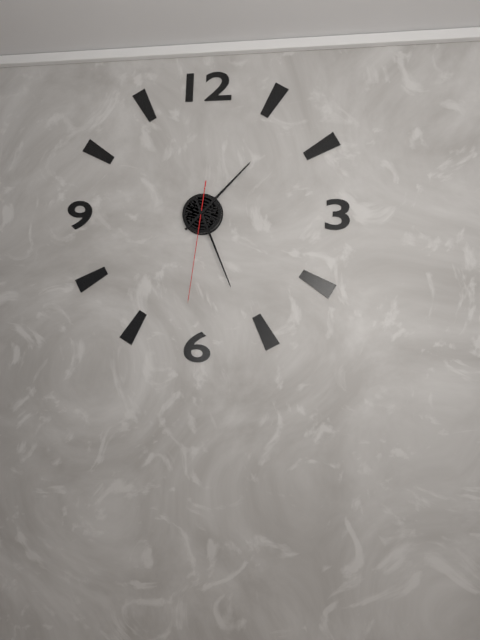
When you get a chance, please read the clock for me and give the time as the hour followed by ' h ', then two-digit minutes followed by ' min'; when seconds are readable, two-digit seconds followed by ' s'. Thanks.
1 h 26 min 31 s
